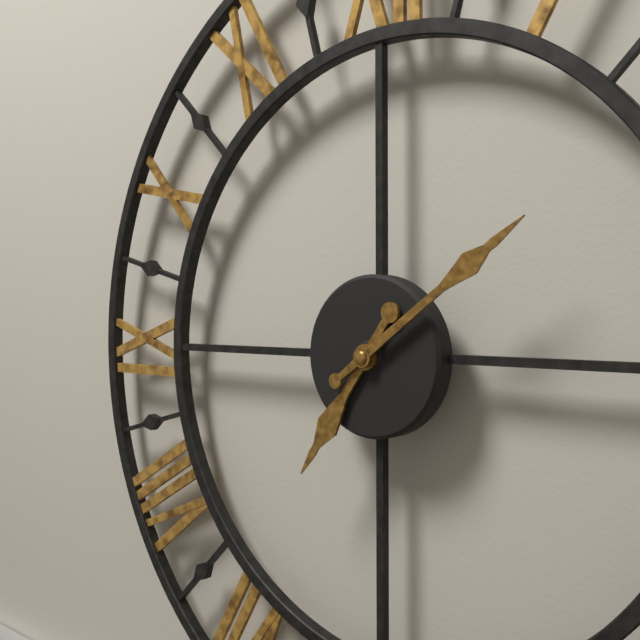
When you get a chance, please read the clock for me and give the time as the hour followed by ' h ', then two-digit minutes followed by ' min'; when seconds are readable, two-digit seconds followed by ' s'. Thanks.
7 h 09 min
